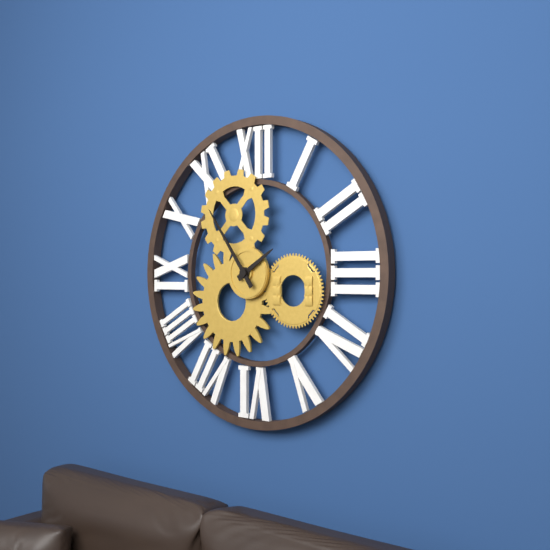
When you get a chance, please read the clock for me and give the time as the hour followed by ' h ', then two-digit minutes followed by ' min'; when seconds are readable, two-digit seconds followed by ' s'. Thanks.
1 h 54 min
